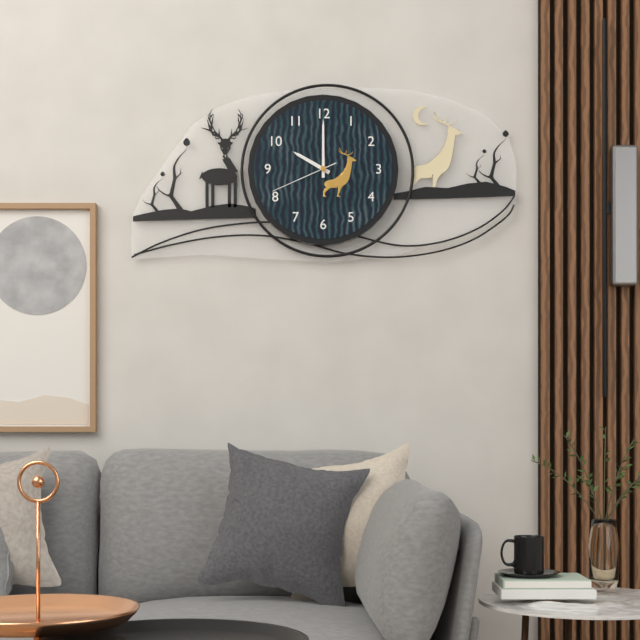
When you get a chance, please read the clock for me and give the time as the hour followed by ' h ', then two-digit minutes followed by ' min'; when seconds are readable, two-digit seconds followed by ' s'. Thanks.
10 h 00 min 41 s
